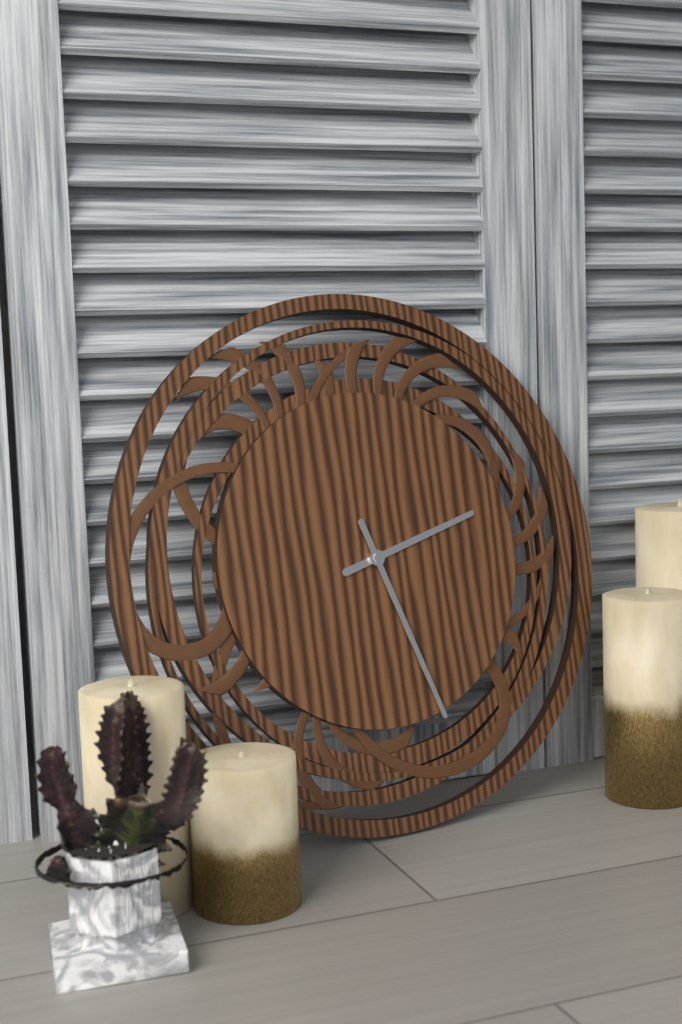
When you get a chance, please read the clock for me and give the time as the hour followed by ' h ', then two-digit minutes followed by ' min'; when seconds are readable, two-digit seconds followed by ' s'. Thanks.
2 h 27 min
